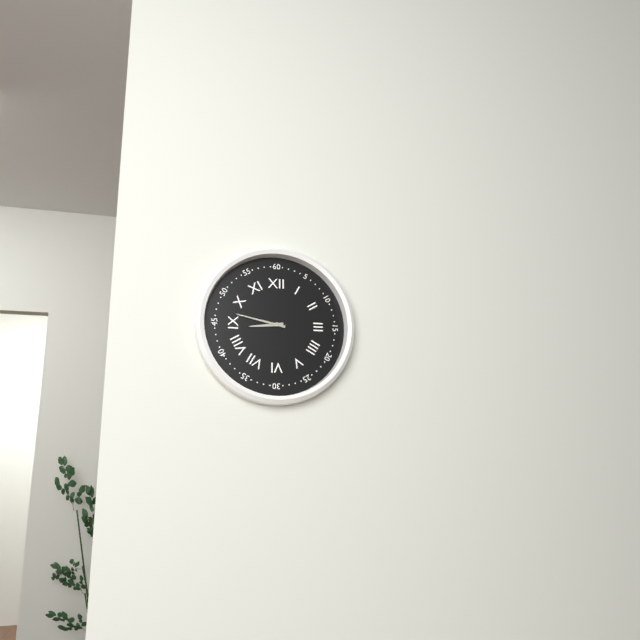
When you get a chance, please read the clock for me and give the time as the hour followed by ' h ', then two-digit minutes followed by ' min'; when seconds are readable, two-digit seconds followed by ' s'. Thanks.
8 h 47 min
